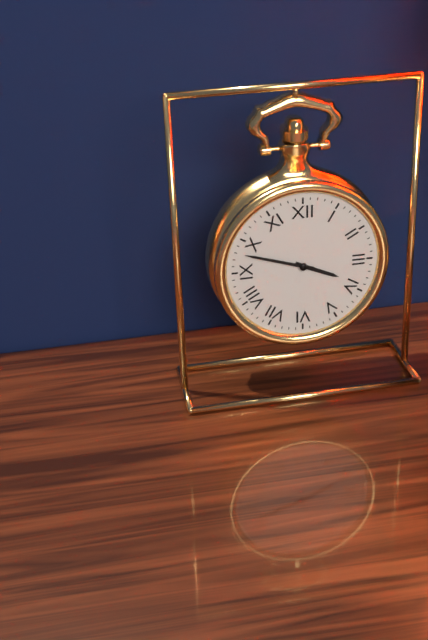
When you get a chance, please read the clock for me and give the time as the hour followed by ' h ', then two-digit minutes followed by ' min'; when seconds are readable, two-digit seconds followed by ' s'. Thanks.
3 h 48 min
